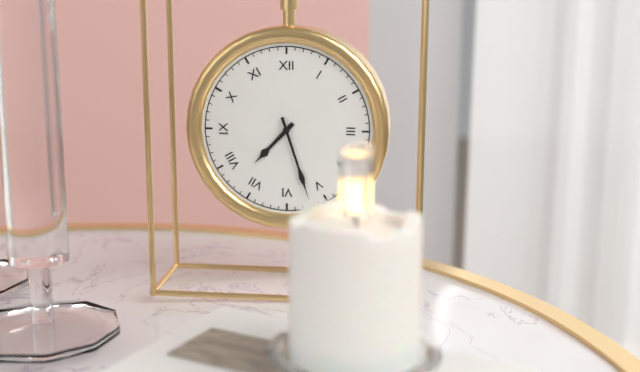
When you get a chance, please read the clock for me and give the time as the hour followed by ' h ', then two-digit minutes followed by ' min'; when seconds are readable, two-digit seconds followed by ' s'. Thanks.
7 h 27 min
